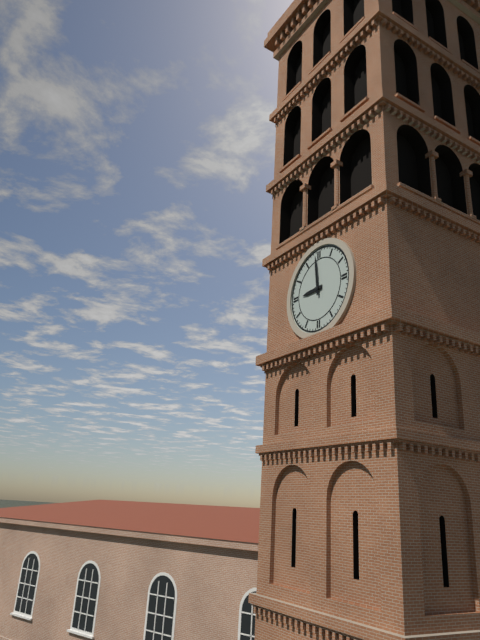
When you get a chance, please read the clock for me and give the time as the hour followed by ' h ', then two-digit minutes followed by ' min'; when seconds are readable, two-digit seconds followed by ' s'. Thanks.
8 h 59 min
